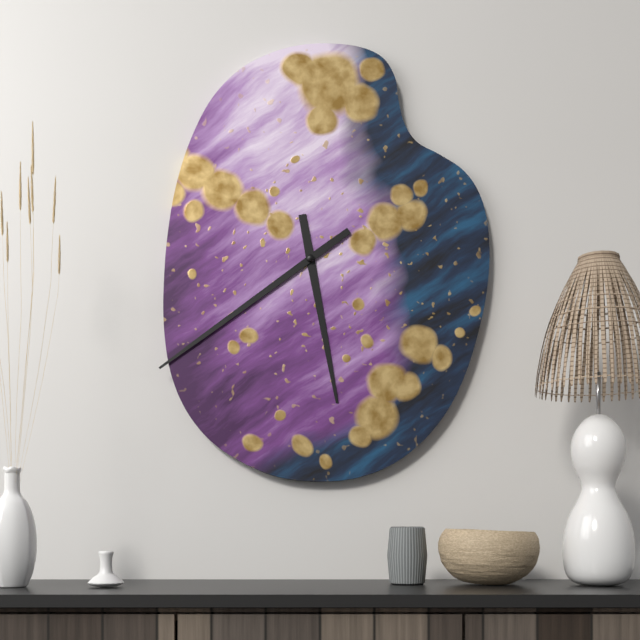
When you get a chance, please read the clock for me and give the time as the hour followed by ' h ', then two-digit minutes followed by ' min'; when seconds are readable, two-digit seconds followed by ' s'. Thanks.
5 h 39 min
